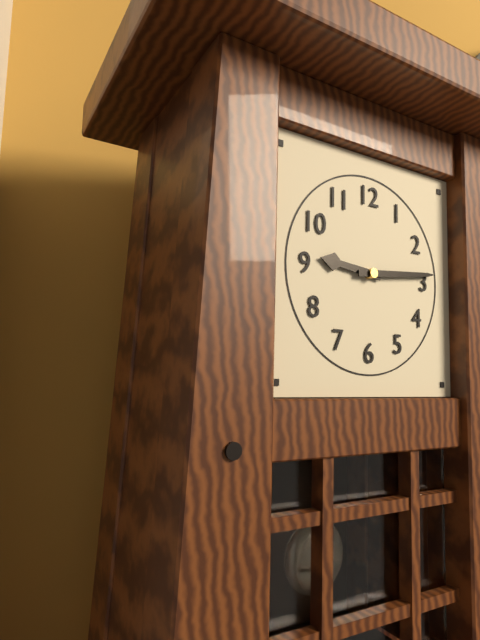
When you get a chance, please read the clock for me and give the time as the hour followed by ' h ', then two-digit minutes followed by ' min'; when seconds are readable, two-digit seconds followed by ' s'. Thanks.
9 h 14 min
